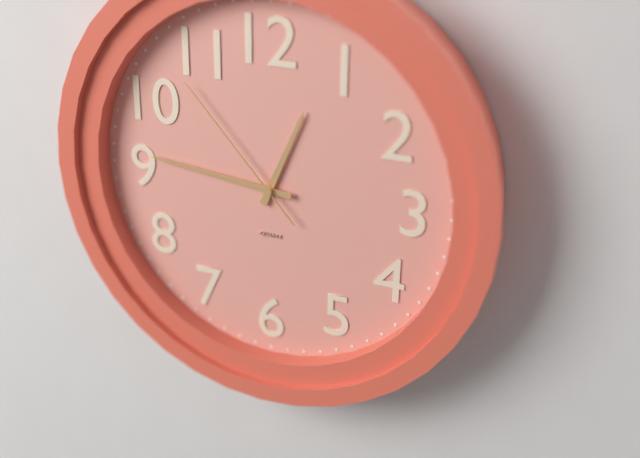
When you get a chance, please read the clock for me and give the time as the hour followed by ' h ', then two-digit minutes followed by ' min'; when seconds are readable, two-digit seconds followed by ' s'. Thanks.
12 h 46 min 53 s
